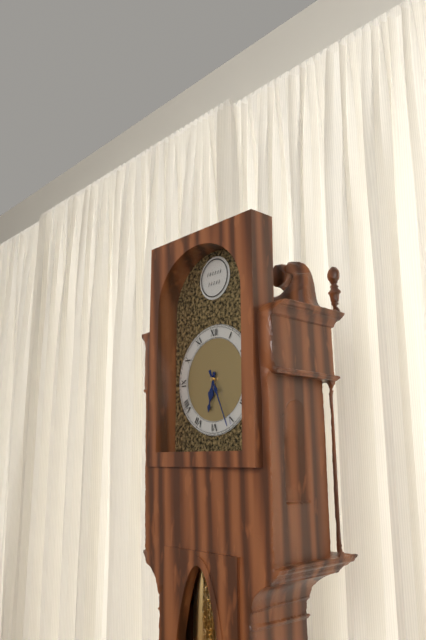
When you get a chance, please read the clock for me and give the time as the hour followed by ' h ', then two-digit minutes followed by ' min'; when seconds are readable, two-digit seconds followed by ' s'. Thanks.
6 h 26 min
